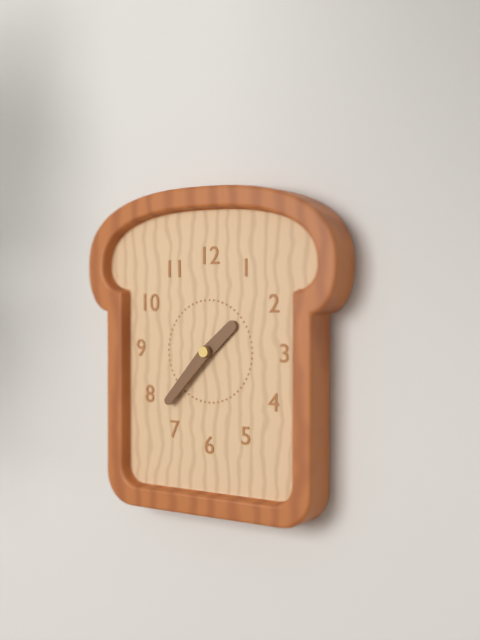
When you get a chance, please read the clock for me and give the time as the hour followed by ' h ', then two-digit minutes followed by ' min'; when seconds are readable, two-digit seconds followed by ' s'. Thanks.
1 h 37 min
